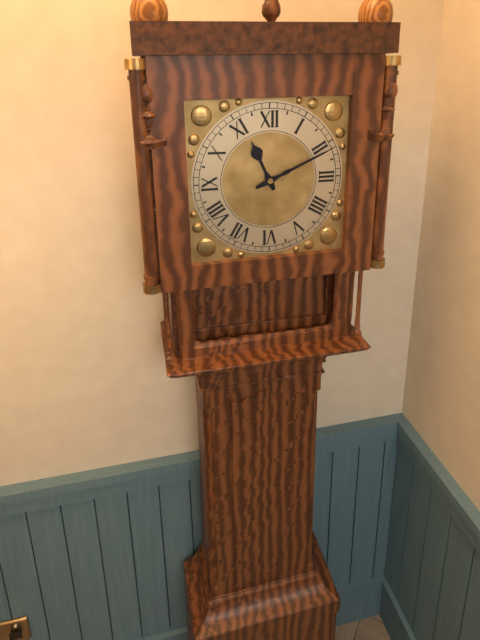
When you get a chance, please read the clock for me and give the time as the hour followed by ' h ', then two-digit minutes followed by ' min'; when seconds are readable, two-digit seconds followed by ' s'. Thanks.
11 h 11 min
